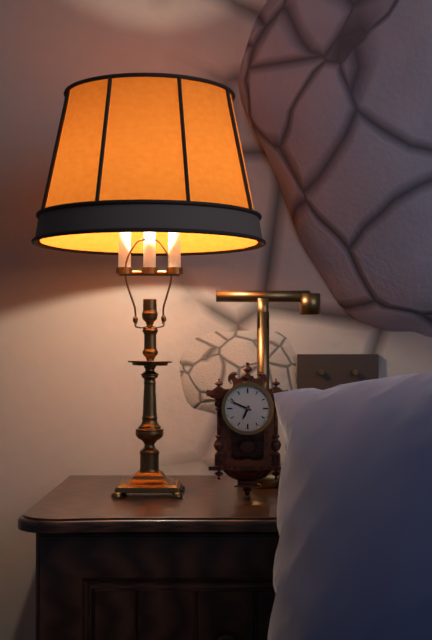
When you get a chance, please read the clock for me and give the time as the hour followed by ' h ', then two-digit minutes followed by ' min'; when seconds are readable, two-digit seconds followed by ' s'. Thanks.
6 h 49 min
